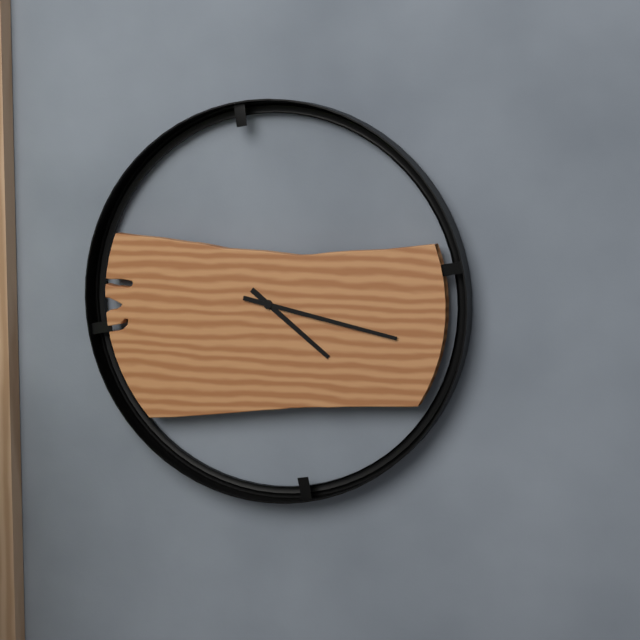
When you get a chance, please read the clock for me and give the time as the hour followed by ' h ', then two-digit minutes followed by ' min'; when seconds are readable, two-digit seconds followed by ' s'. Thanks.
4 h 17 min
